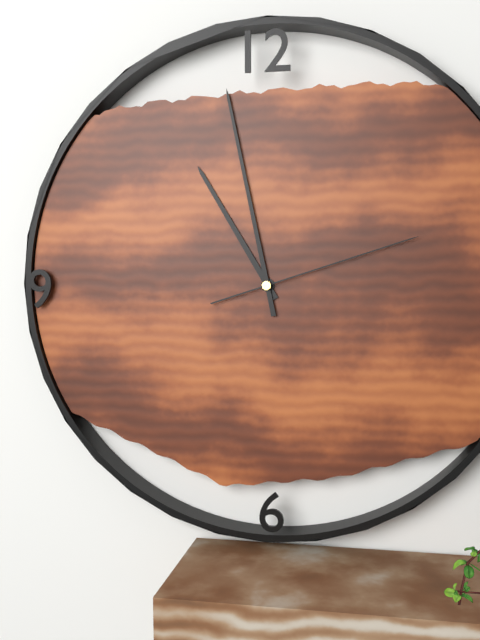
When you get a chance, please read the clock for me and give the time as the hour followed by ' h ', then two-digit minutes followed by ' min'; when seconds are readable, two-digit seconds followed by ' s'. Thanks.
10 h 58 min 12 s
